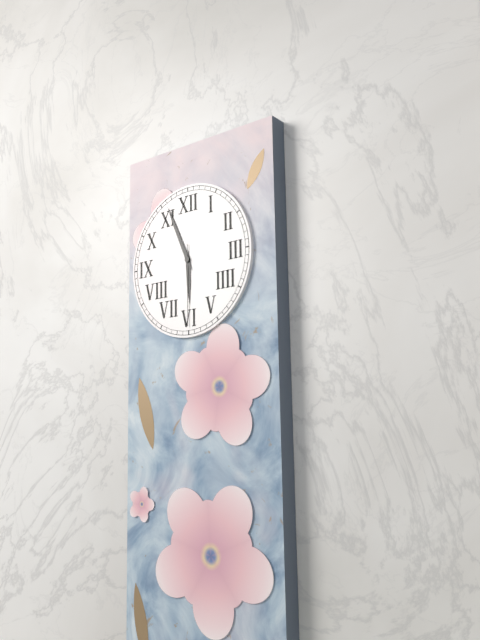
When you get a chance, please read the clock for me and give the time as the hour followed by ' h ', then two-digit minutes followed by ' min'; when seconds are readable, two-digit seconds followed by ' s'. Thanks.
5 h 56 min 30 s
